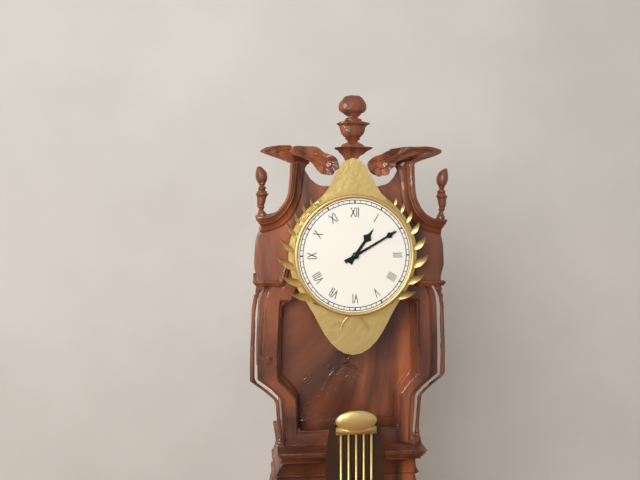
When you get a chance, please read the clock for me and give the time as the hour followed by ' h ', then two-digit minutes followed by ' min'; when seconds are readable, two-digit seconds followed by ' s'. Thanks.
1 h 10 min
